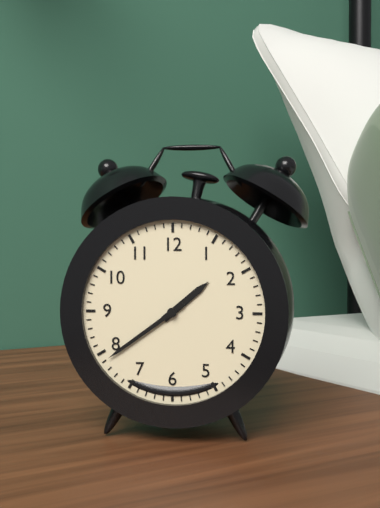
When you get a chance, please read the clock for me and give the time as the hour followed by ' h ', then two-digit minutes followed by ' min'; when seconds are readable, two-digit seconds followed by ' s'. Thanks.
1 h 39 min
